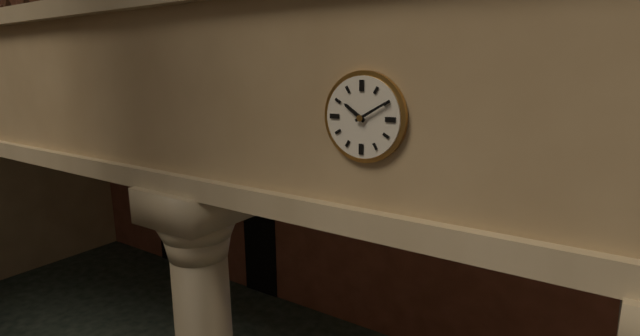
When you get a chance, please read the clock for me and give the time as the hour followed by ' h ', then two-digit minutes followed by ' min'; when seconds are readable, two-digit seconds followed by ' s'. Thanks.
10 h 10 min
